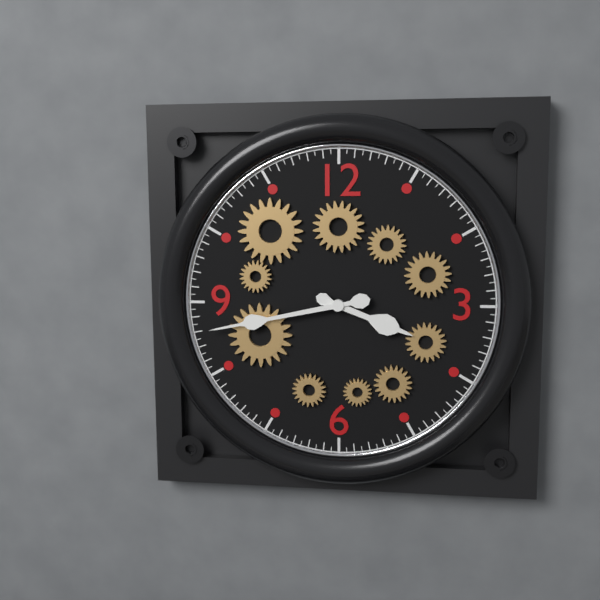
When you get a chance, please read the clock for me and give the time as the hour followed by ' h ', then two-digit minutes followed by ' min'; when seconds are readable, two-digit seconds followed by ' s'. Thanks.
3 h 43 min
